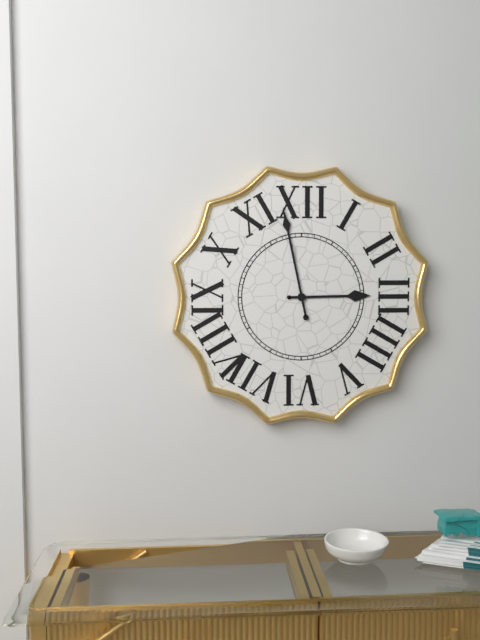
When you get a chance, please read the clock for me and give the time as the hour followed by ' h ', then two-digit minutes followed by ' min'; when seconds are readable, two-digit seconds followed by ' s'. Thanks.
2 h 58 min
